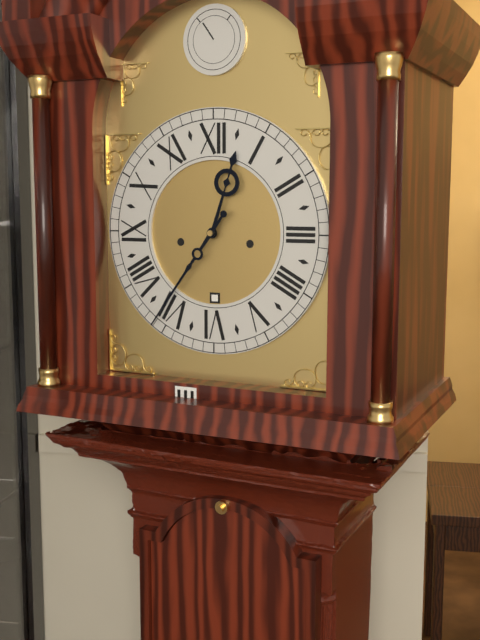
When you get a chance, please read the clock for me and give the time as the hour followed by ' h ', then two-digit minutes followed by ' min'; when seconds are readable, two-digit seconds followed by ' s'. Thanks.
12 h 36 min
